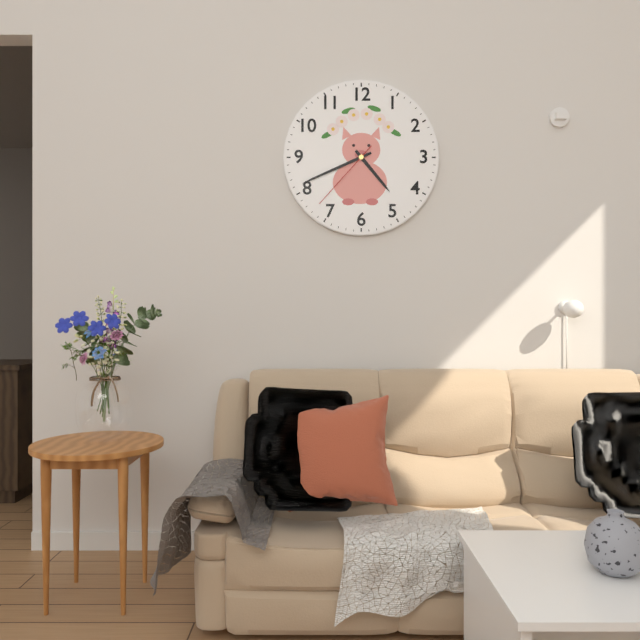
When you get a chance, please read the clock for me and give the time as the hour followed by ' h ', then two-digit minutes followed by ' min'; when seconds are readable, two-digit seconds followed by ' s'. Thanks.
4 h 41 min 37 s
